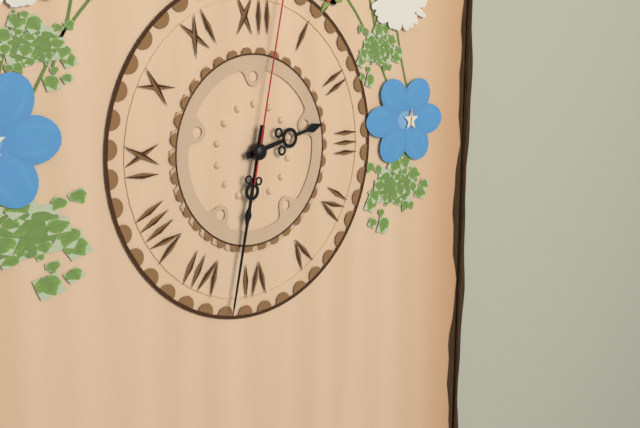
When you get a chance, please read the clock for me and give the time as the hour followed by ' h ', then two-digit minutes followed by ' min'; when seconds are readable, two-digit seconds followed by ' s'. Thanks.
2 h 32 min
